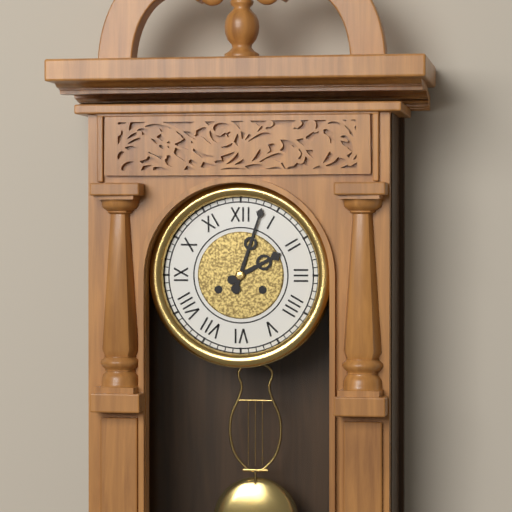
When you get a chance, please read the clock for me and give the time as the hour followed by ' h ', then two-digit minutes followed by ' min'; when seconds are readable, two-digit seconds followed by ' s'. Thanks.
2 h 03 min
